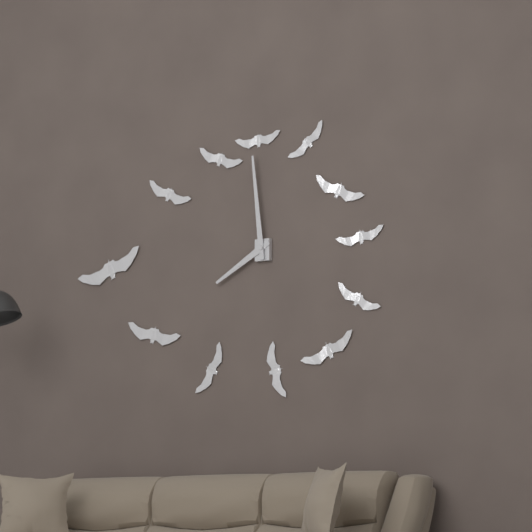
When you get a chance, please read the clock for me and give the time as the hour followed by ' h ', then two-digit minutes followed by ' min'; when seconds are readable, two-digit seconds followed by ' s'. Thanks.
7 h 59 min
